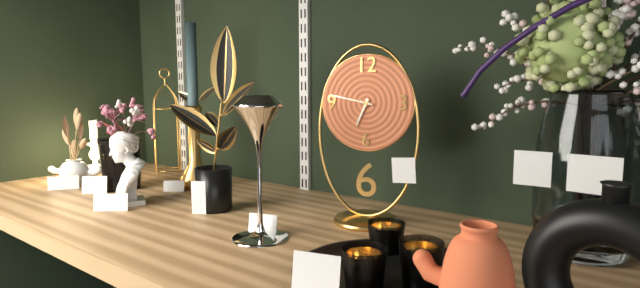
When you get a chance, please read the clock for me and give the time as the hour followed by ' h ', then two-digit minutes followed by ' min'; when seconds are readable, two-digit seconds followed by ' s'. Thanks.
6 h 47 min
